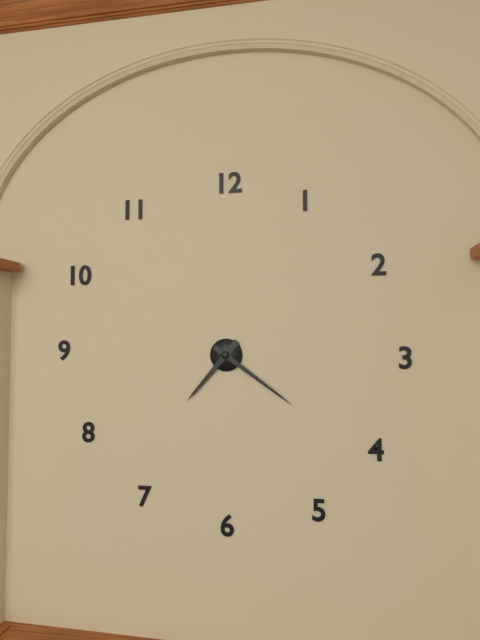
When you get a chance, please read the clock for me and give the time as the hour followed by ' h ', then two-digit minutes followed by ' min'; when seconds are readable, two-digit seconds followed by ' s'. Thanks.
7 h 21 min
